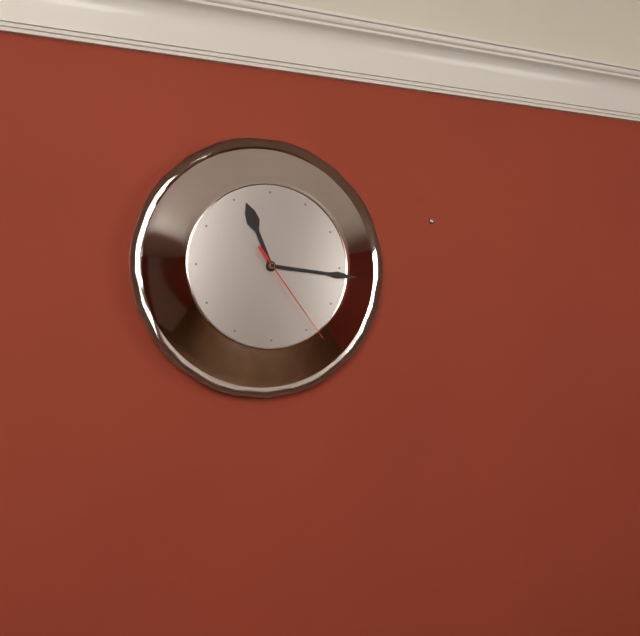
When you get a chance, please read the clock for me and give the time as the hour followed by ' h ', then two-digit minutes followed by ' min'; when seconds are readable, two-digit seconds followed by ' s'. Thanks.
11 h 16 min 24 s
